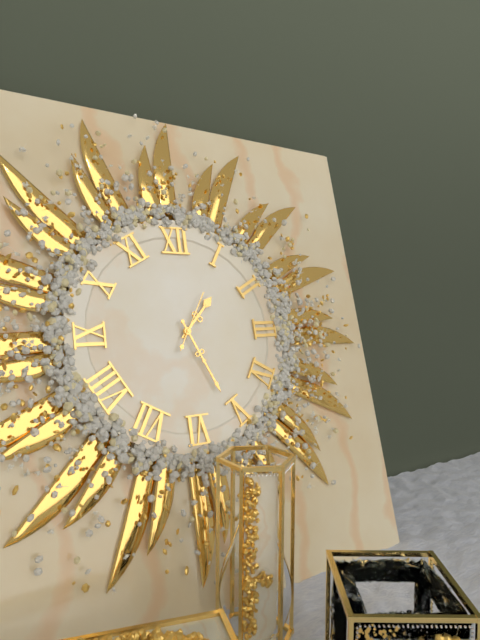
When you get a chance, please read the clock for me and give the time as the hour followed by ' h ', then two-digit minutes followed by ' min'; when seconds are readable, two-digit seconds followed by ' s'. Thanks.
1 h 26 min 05 s
